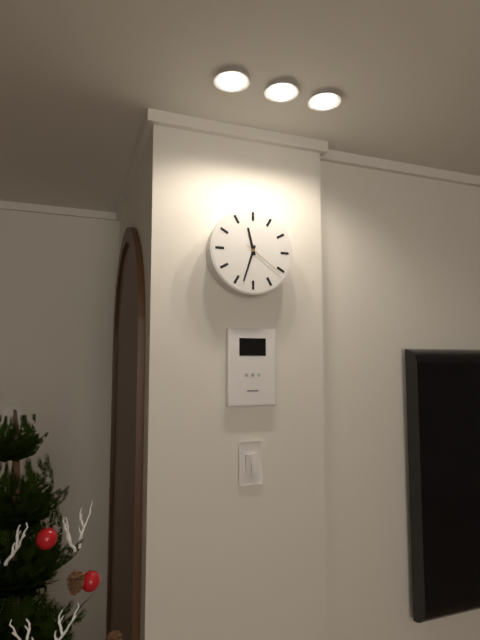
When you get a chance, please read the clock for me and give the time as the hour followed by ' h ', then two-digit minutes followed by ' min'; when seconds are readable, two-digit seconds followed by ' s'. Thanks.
11 h 33 min
